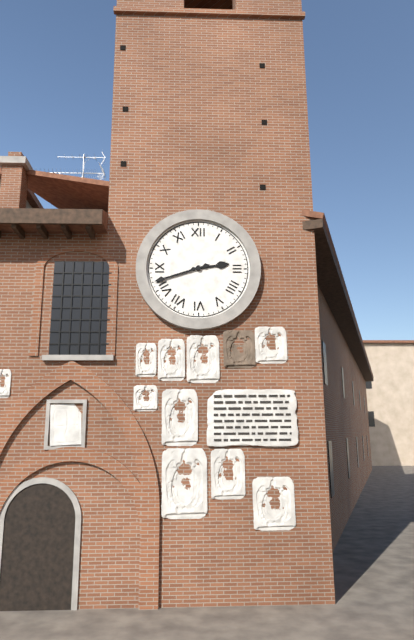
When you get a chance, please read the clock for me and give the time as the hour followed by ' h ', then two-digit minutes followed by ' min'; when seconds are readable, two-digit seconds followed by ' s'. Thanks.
2 h 42 min
